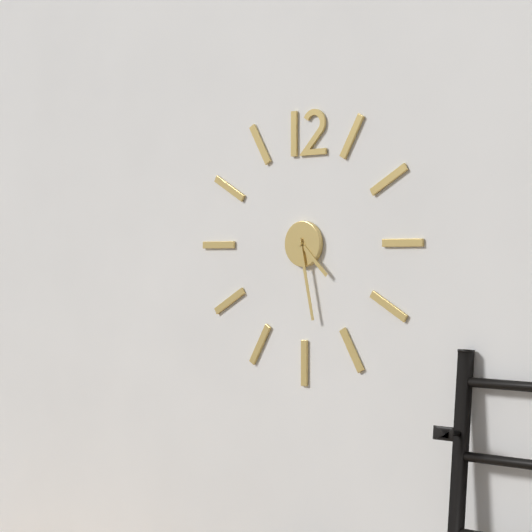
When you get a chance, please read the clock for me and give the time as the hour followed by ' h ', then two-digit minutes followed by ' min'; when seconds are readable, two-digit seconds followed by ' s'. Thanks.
4 h 28 min
